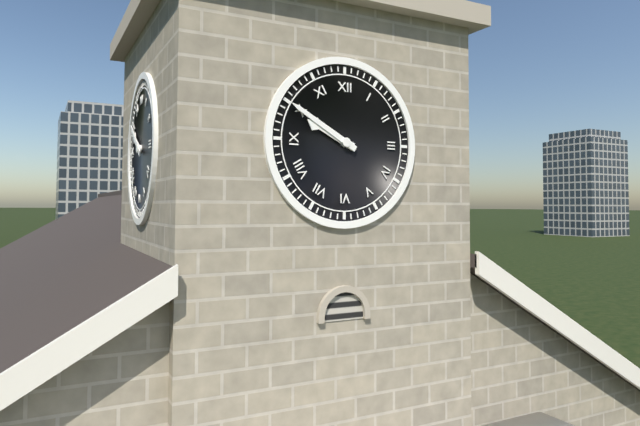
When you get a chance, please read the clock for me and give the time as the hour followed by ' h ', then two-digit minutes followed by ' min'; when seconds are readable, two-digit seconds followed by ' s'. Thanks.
9 h 50 min
